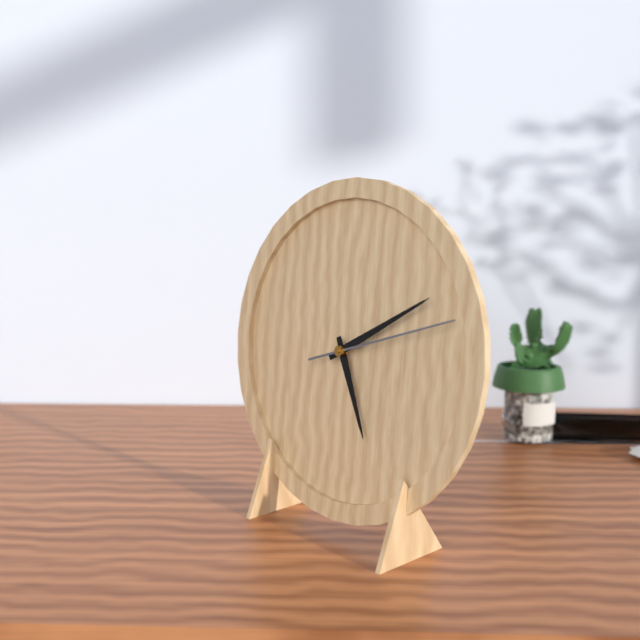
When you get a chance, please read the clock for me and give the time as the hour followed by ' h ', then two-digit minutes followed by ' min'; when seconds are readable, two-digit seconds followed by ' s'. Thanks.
5 h 10 min 12 s
